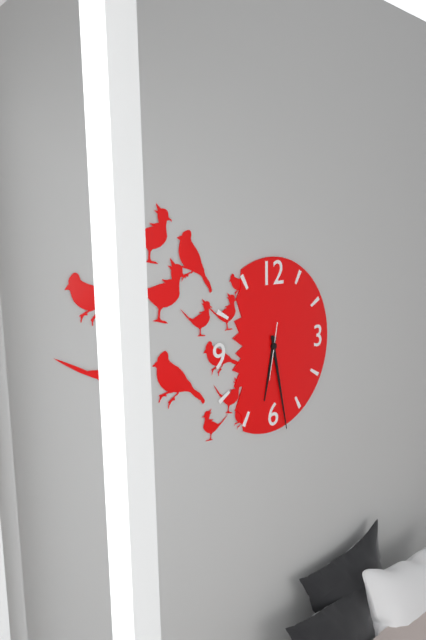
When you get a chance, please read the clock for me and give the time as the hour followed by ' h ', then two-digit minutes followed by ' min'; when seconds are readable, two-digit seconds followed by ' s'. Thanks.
6 h 28 min
